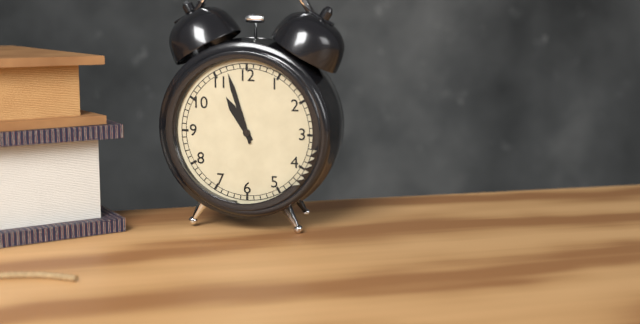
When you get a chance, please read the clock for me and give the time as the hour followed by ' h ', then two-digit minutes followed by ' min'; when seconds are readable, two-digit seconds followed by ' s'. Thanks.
10 h 57 min
